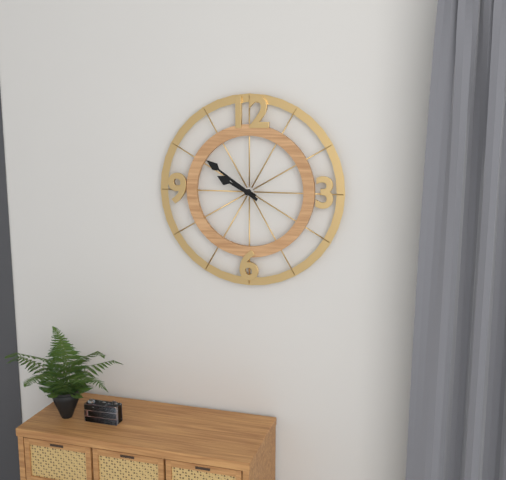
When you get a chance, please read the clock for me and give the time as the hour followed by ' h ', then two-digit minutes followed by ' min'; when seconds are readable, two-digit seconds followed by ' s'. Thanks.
9 h 51 min
